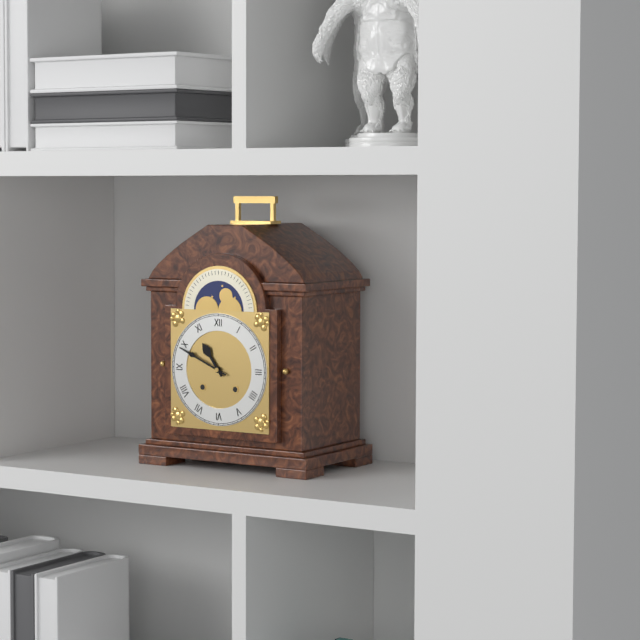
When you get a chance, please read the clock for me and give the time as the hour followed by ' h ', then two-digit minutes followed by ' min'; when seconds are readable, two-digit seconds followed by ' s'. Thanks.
10 h 49 min
